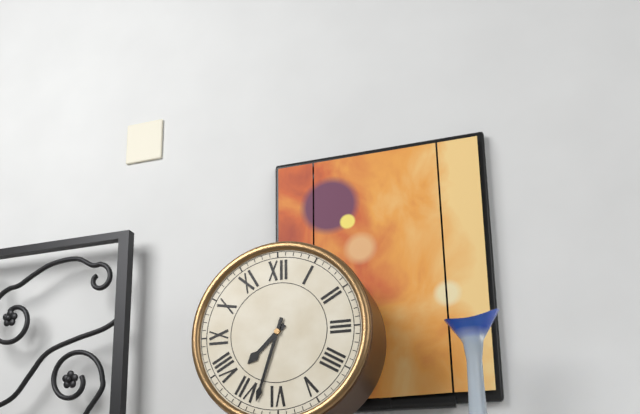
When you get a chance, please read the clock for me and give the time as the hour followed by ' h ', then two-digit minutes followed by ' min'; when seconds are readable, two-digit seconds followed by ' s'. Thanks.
7 h 33 min
